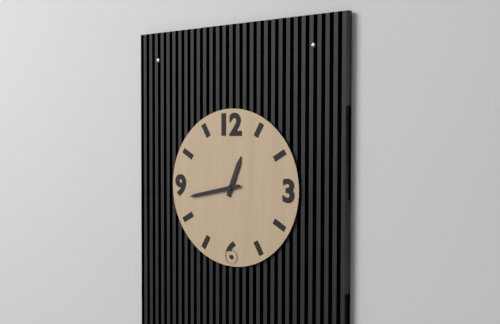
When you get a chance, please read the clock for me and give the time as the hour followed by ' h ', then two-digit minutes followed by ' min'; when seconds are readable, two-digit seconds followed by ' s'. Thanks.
12 h 43 min
